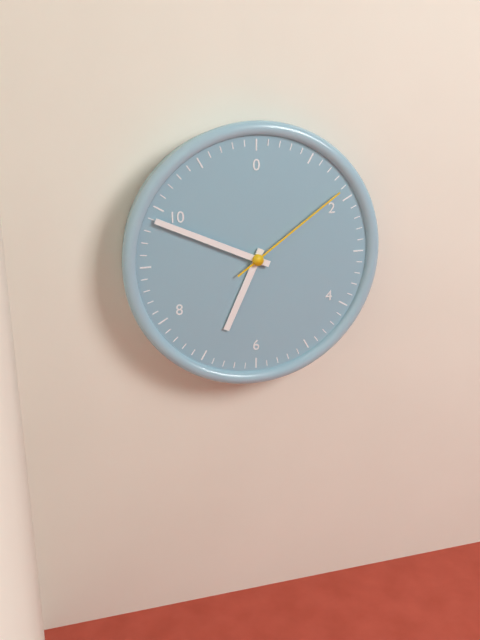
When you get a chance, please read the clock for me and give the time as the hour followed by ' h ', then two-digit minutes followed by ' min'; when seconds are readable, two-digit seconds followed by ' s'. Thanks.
6 h 49 min 09 s
